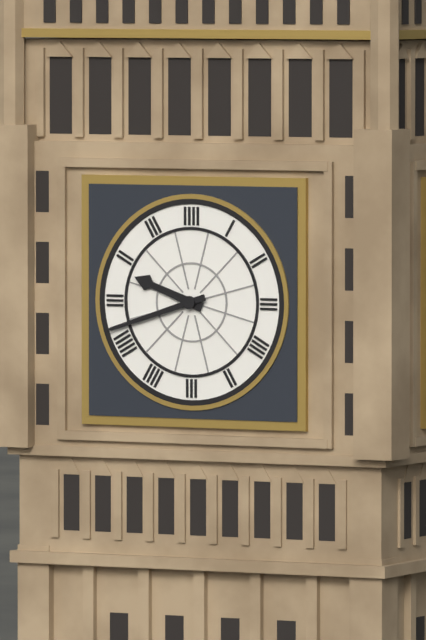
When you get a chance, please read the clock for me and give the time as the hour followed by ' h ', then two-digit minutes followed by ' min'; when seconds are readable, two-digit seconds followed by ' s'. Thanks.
9 h 42 min
